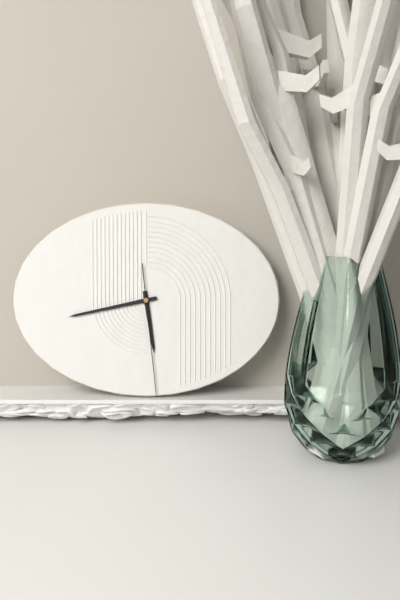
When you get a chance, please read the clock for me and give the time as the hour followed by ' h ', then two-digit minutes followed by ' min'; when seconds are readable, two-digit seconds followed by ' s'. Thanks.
5 h 43 min 29 s
